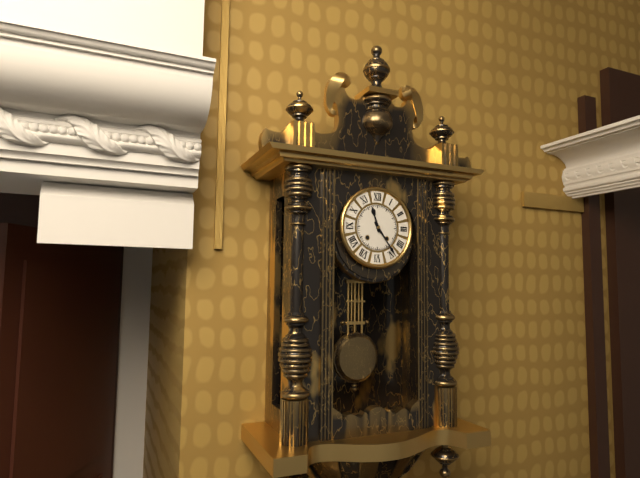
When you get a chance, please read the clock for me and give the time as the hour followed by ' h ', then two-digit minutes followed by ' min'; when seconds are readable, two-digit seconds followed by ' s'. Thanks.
11 h 24 min
